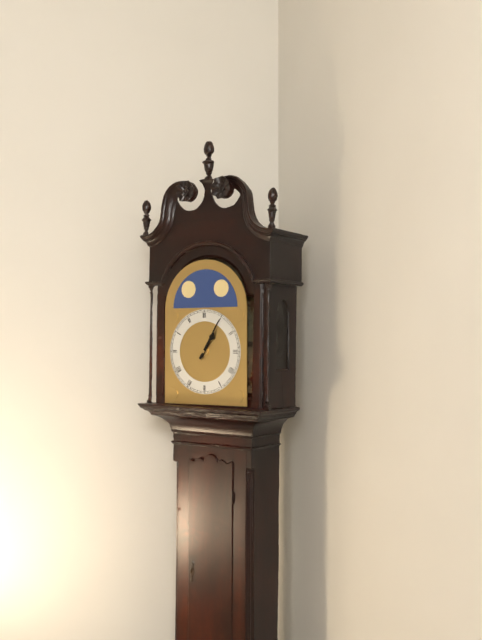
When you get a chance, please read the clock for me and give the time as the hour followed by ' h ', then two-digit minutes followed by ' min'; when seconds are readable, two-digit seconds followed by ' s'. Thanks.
1 h 05 min
